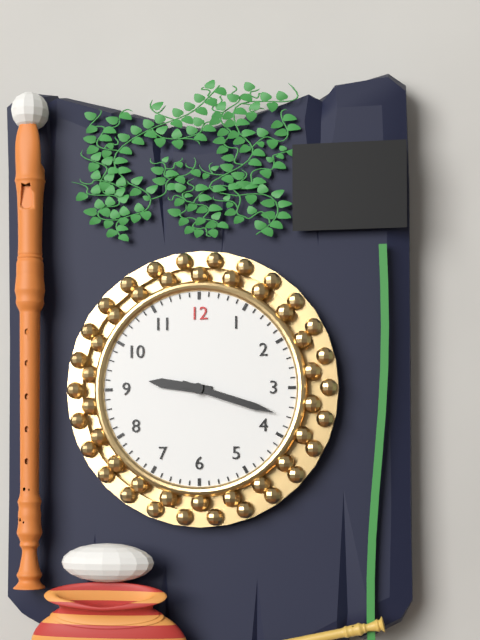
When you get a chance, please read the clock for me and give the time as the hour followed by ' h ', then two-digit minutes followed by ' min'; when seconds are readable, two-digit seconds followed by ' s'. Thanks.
9 h 18 min
